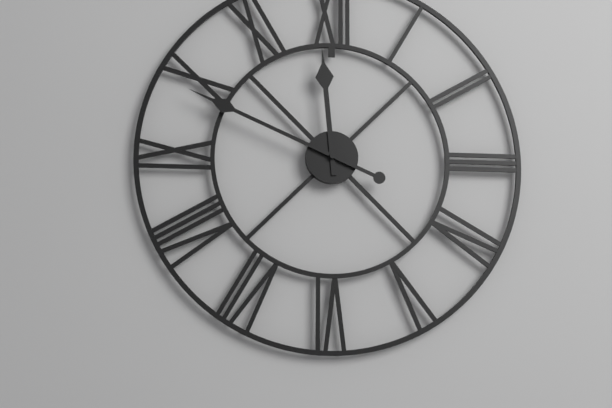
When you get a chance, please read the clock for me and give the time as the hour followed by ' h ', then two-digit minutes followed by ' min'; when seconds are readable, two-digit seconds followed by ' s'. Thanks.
11 h 49 min
